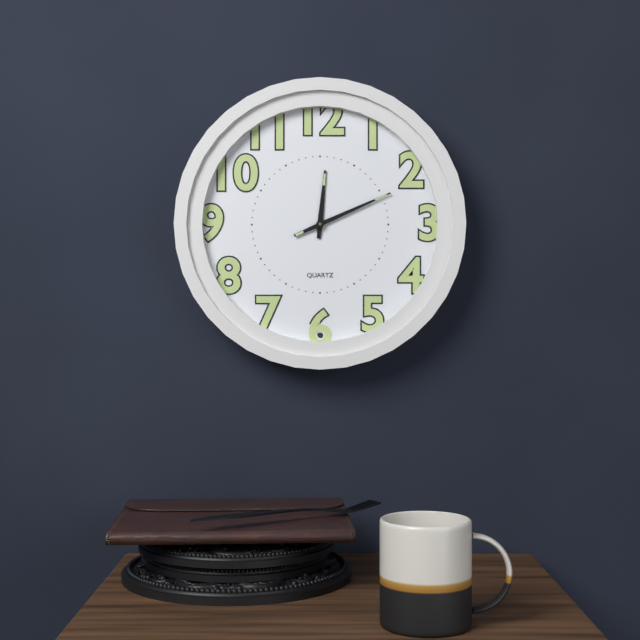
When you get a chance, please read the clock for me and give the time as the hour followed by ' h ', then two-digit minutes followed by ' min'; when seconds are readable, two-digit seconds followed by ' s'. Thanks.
12 h 11 min
